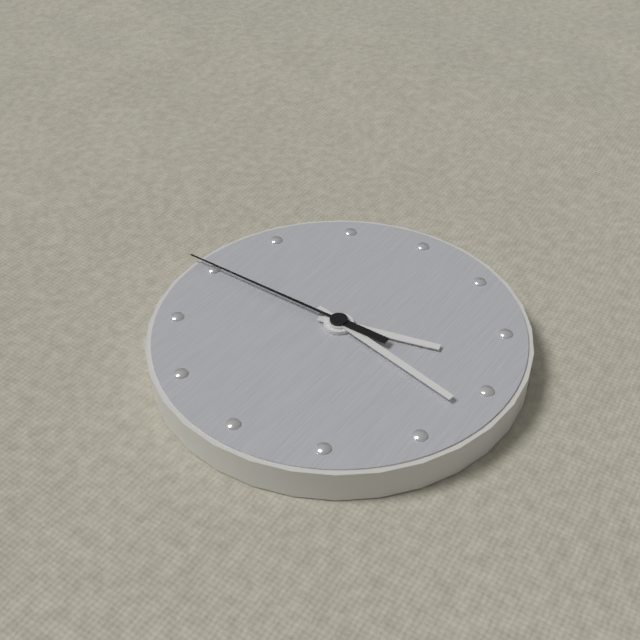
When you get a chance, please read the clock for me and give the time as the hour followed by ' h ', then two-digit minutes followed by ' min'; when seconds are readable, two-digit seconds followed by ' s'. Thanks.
5 h 32 min 00 s
